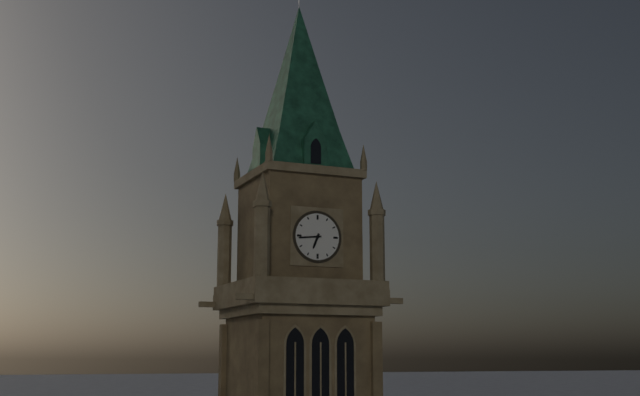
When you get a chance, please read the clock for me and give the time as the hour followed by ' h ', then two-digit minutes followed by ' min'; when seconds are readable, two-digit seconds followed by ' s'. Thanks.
6 h 44 min
